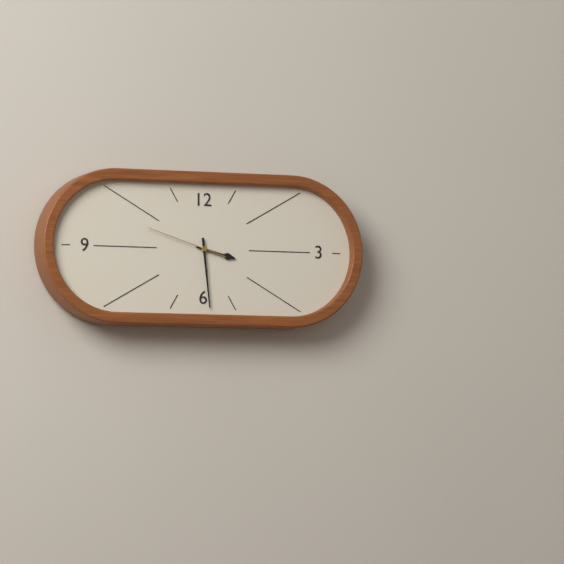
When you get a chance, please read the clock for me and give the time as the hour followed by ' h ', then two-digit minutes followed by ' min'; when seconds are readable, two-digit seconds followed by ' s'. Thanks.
3 h 29 min 48 s
